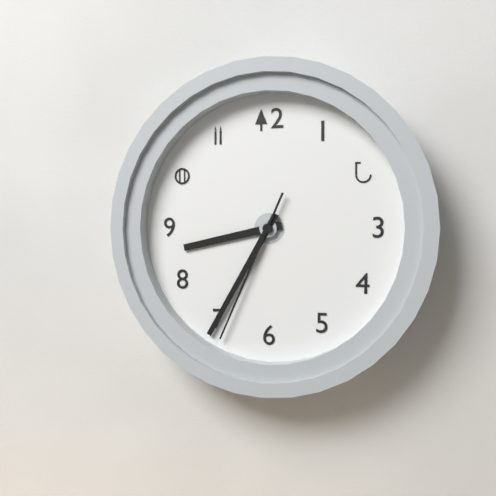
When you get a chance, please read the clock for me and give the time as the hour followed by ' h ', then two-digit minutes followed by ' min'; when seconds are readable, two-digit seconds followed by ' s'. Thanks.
8 h 35 min 34 s
